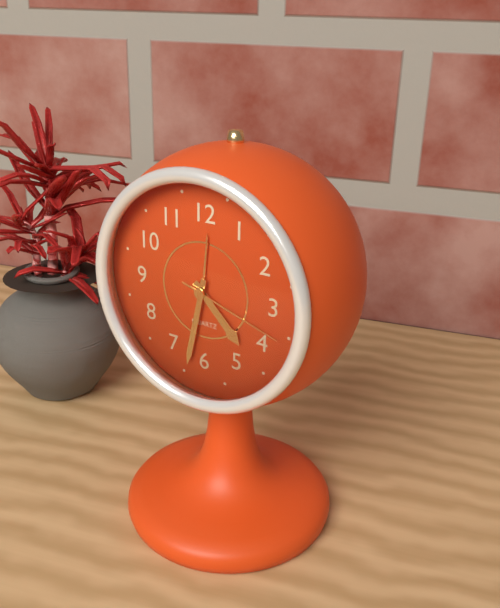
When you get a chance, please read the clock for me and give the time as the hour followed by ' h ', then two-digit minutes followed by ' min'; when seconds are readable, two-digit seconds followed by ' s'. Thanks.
4 h 32 min 18 s
